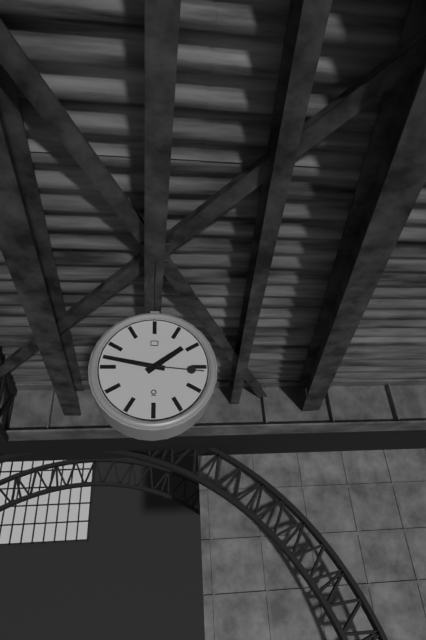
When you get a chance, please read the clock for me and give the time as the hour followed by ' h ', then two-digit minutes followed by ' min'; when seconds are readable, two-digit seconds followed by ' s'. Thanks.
1 h 47 min 16 s
